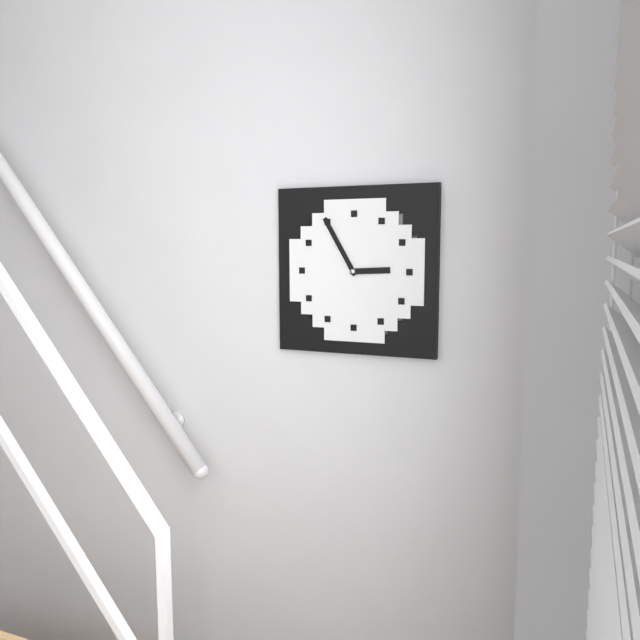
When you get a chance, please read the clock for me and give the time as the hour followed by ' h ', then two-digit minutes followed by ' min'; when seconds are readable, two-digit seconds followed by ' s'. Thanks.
2 h 55 min
